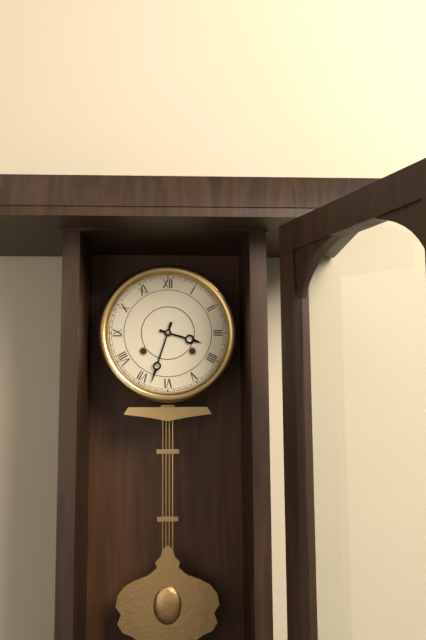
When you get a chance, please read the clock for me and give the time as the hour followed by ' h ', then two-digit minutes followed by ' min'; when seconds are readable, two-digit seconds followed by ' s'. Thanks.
3 h 33 min
